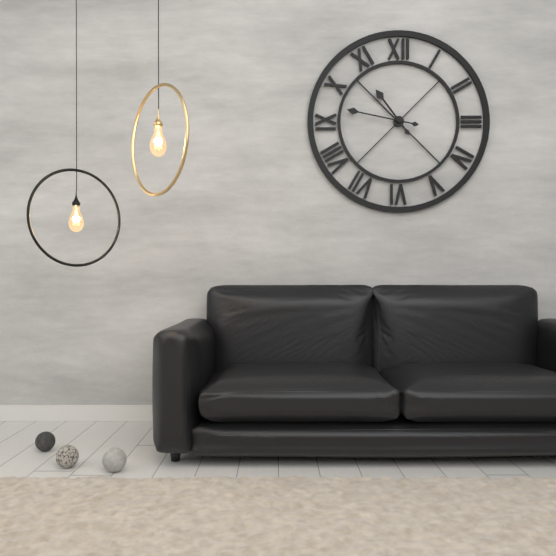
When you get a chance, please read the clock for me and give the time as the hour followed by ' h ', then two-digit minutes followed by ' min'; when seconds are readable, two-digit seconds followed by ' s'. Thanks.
10 h 47 min
